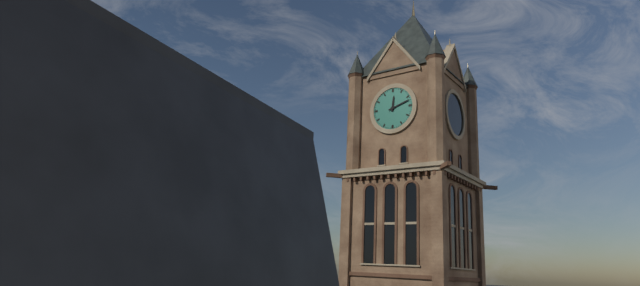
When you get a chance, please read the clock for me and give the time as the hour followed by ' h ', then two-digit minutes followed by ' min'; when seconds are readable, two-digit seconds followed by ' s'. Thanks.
12 h 12 min
